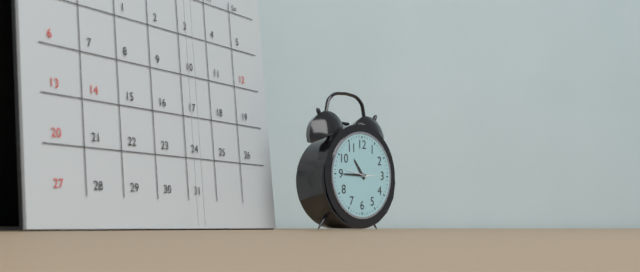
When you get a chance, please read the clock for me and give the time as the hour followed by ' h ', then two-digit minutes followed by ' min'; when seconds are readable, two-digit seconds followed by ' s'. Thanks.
10 h 45 min
